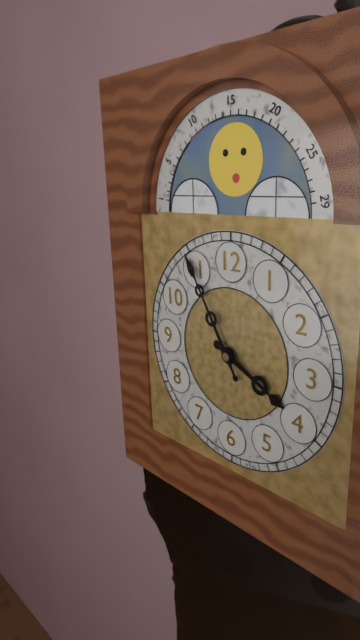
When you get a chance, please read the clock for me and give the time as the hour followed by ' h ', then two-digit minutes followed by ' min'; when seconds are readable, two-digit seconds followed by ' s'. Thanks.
3 h 55 min
